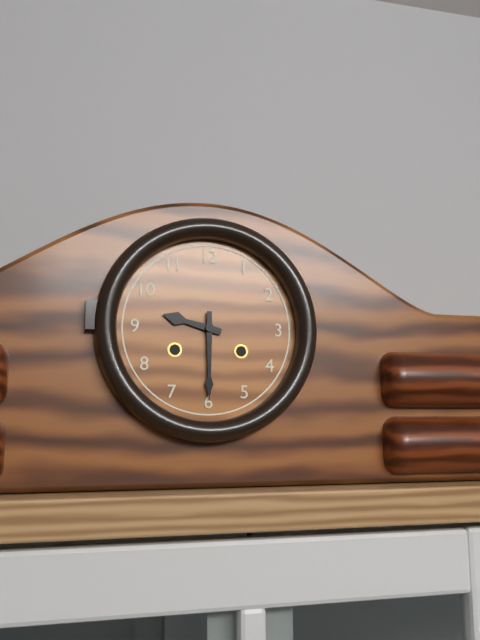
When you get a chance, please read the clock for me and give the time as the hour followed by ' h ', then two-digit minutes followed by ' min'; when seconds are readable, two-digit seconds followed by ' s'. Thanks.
9 h 30 min
